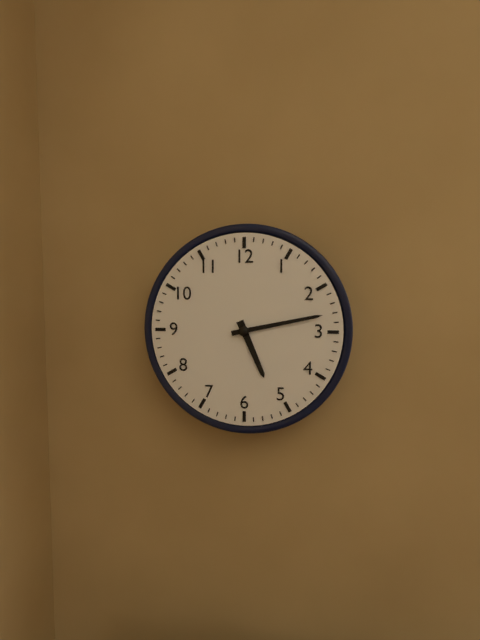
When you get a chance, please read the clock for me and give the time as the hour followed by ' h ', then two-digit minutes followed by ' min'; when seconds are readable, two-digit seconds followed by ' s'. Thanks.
5 h 13 min
